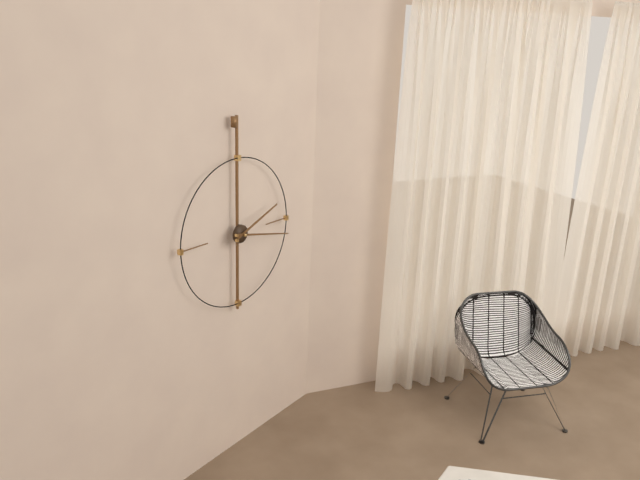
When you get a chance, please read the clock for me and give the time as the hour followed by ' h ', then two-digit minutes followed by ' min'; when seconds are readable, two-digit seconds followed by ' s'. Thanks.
2 h 17 min
